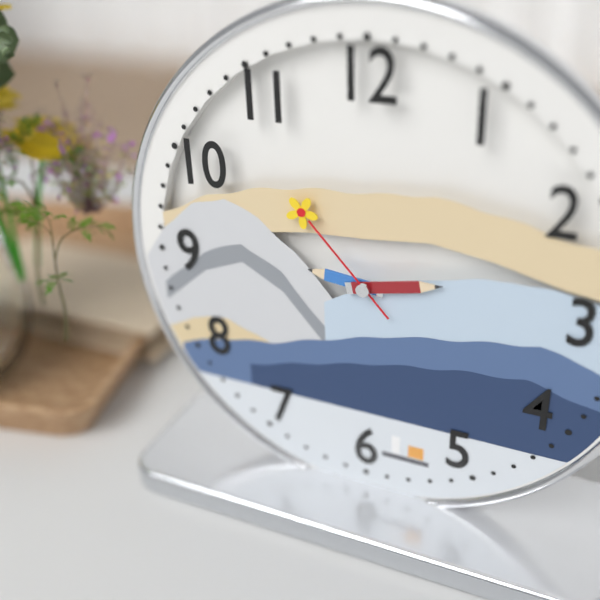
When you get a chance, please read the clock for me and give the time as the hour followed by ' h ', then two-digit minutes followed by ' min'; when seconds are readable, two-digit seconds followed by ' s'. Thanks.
9 h 13 min 53 s
